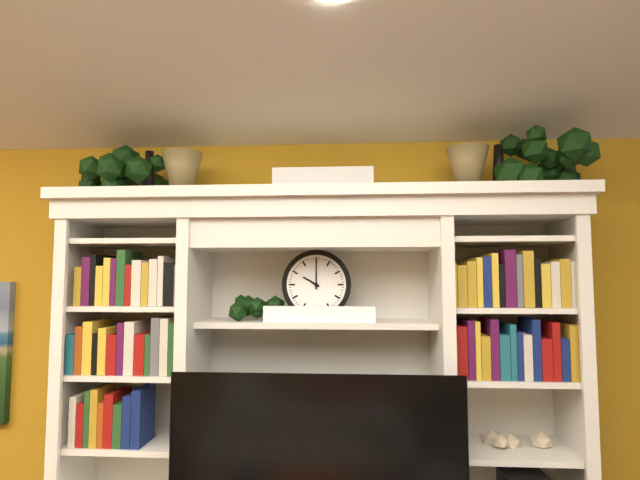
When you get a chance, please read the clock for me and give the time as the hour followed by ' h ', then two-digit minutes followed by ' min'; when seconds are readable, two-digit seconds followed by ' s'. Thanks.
10 h 00 min
